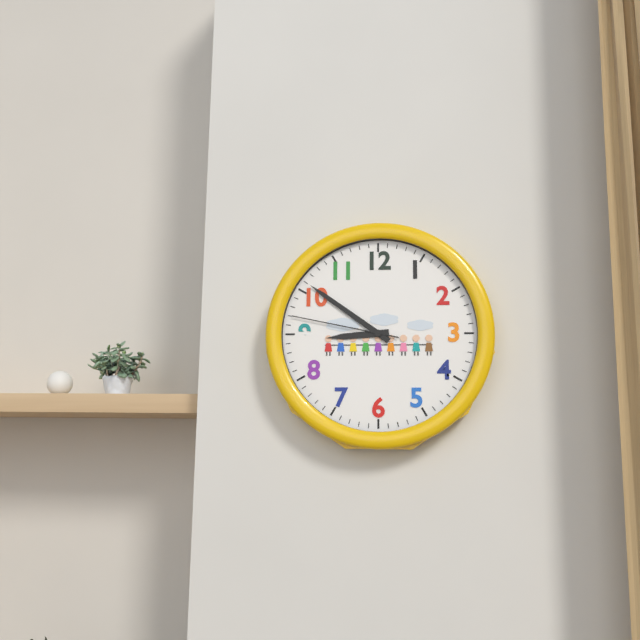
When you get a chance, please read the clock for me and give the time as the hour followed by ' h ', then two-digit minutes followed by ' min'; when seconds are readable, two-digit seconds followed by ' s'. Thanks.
8 h 51 min 47 s
